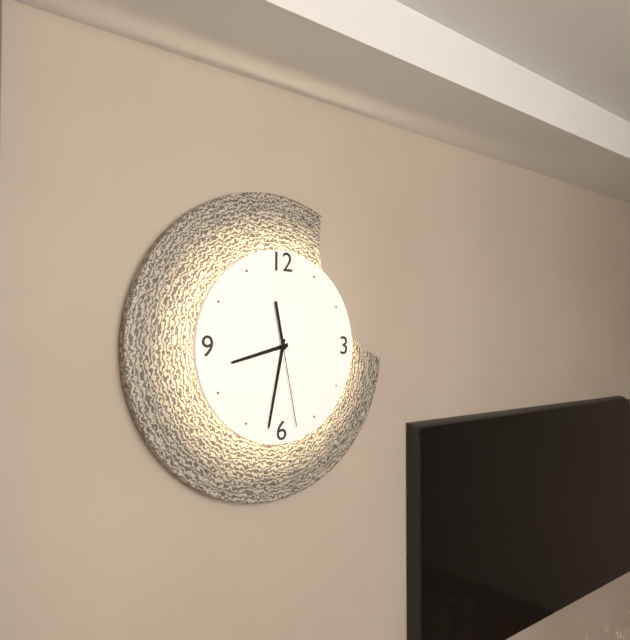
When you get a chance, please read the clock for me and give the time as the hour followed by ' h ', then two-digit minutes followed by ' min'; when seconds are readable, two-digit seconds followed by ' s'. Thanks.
8 h 32 min 28 s
